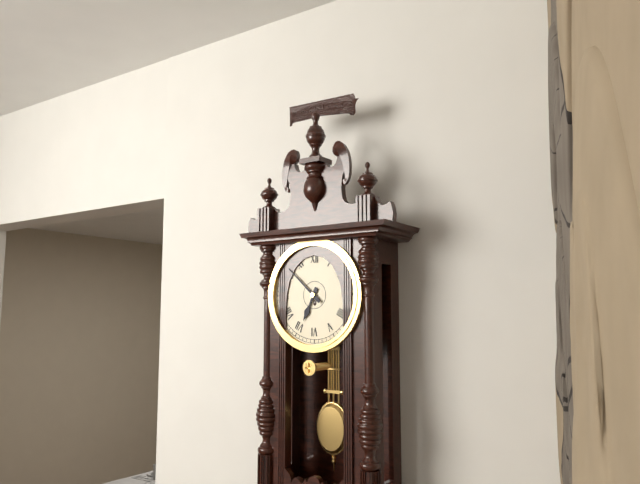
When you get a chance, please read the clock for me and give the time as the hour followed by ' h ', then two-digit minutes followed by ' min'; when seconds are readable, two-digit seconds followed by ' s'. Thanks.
6 h 52 min
